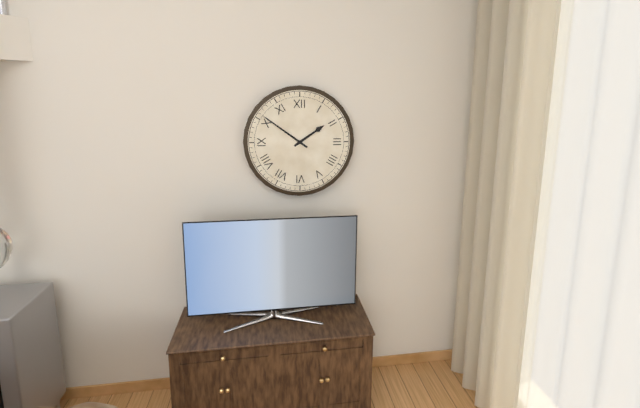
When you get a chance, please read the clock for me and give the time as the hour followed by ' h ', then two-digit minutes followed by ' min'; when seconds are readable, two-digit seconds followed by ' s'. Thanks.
1 h 51 min
